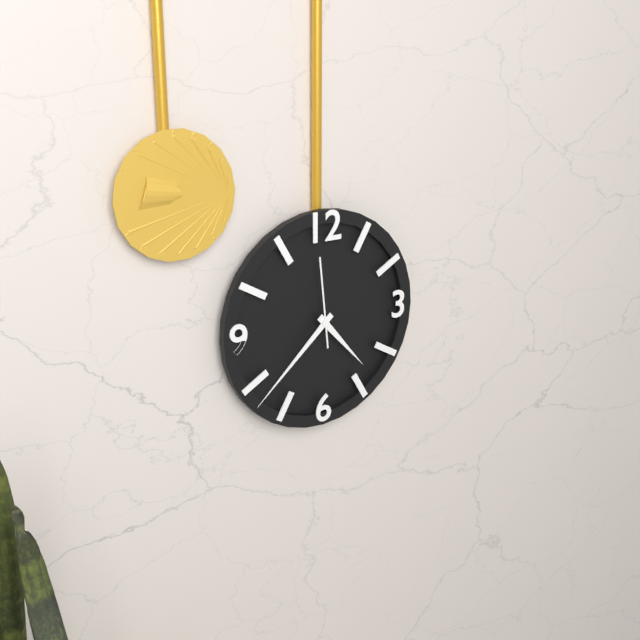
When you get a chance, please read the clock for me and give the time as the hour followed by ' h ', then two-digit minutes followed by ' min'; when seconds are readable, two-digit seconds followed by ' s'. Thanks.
4 h 38 min 59 s
